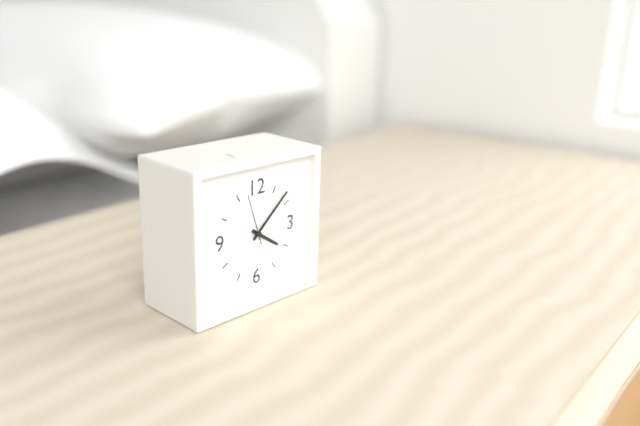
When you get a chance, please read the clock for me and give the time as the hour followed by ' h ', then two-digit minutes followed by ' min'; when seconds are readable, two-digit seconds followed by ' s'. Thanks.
4 h 08 min 57 s
